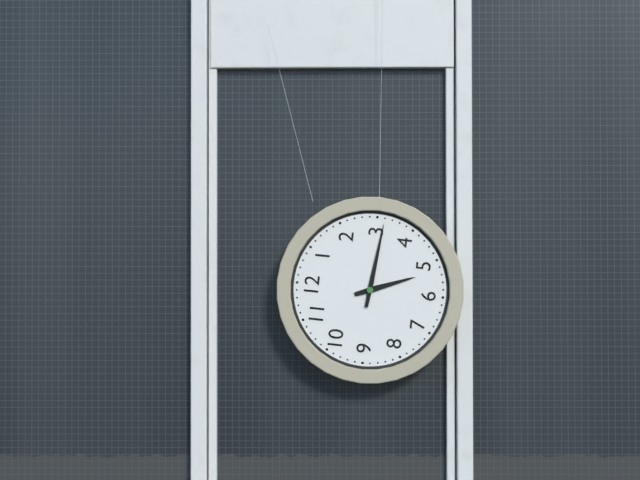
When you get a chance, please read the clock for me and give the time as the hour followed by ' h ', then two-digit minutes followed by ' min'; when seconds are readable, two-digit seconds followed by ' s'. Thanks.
5 h 16 min
